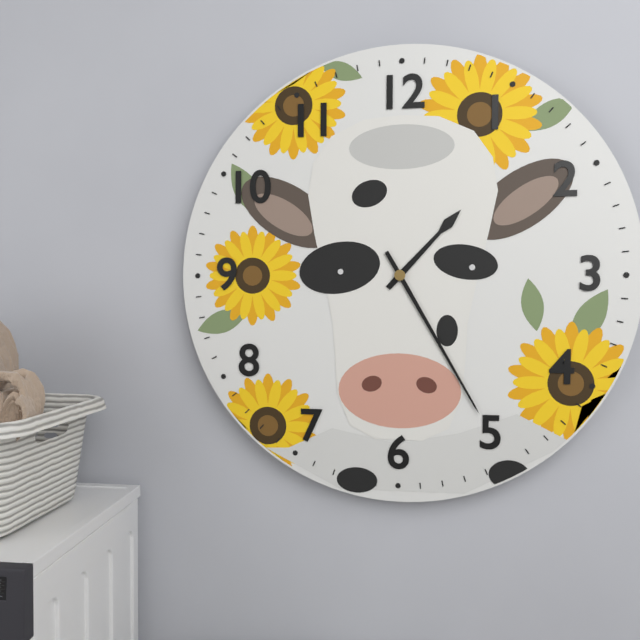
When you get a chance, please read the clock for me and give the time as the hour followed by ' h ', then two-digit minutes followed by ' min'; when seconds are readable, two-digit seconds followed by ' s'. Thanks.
1 h 25 min
